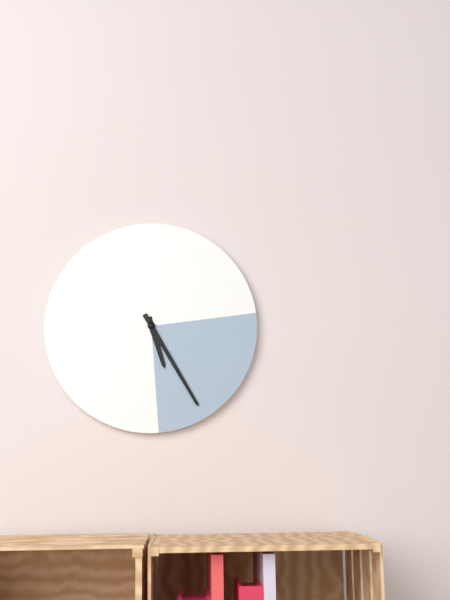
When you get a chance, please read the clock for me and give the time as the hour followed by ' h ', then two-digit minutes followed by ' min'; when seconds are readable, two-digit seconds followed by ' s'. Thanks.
5 h 25 min
